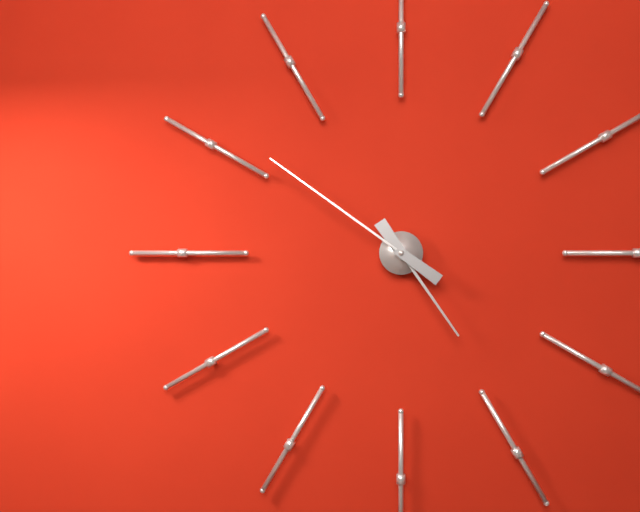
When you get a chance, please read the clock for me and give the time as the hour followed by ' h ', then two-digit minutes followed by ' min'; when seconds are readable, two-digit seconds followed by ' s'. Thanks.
4 h 51 min
